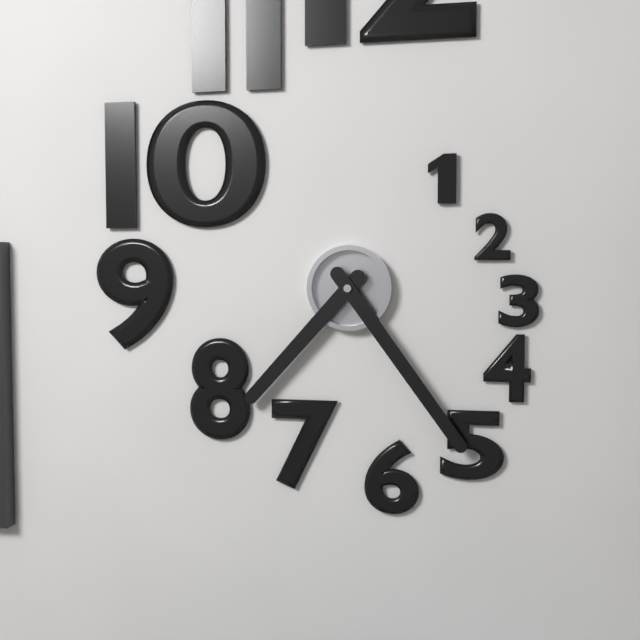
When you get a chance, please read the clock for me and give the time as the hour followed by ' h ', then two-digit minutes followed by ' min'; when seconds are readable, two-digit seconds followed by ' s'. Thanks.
7 h 24 min
